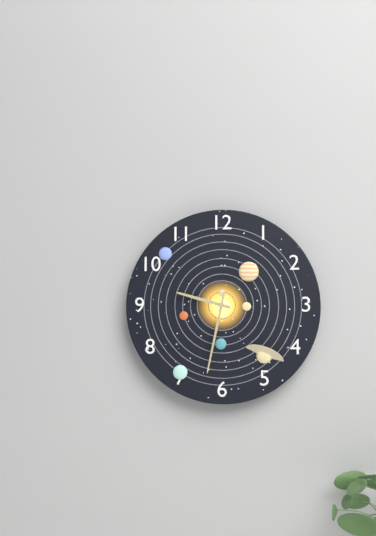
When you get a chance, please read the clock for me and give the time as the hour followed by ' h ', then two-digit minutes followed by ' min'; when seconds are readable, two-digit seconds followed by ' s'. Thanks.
9 h 32 min
